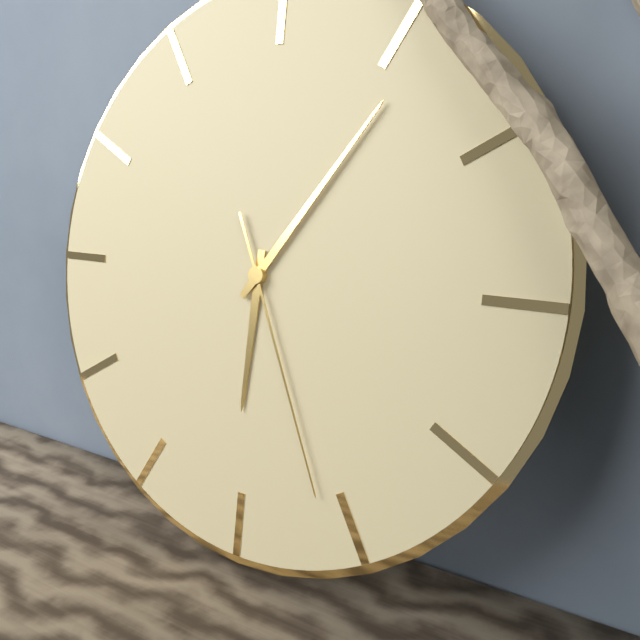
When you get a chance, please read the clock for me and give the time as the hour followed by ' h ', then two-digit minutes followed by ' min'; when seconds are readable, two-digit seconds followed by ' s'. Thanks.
6 h 06 min 26 s
